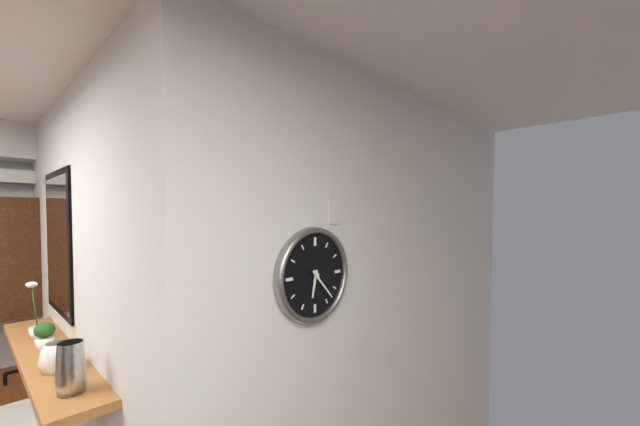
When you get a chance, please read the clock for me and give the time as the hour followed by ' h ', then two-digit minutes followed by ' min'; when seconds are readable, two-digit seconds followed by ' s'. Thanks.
6 h 23 min
